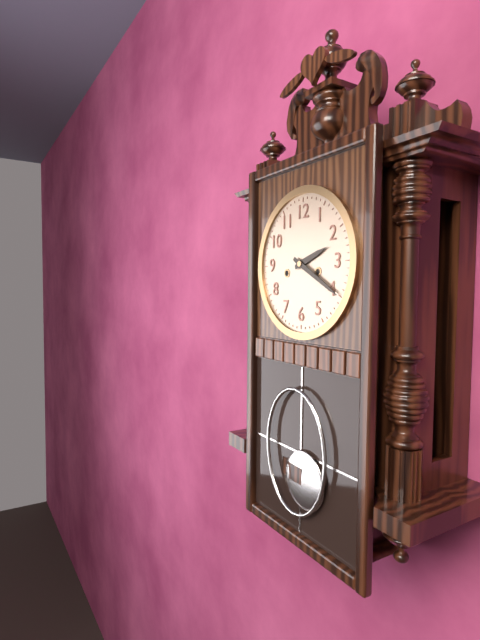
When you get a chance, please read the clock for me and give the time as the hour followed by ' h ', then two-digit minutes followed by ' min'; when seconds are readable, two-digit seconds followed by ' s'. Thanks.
2 h 20 min
